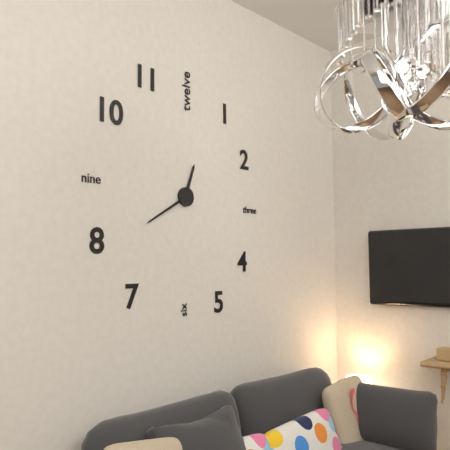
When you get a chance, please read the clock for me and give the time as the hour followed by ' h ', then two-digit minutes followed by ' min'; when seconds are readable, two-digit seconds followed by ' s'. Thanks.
12 h 40 min
